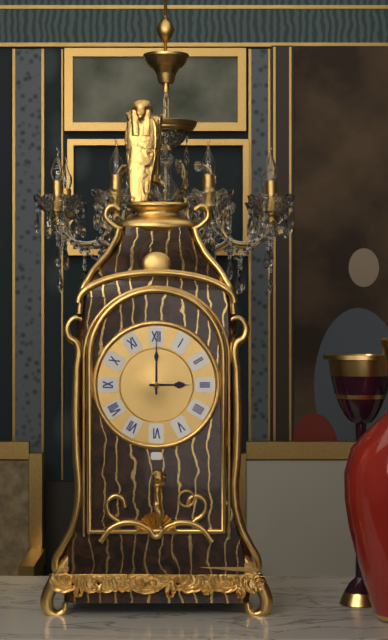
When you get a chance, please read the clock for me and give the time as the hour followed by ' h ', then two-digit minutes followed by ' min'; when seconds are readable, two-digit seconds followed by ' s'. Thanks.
3 h 00 min
